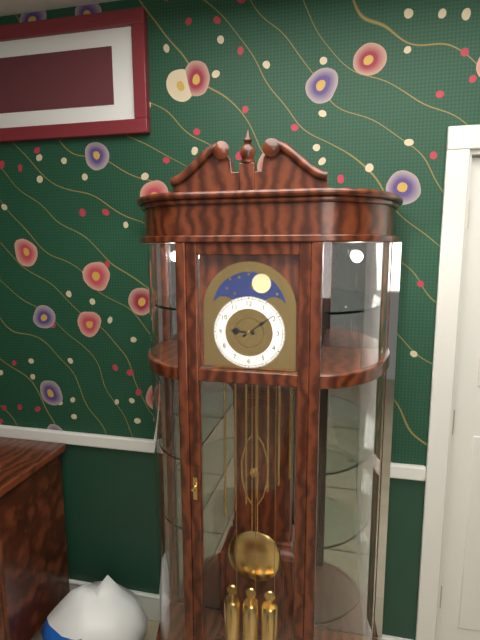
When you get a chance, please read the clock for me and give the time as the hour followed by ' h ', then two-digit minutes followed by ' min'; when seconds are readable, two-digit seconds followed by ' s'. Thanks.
9 h 09 min
